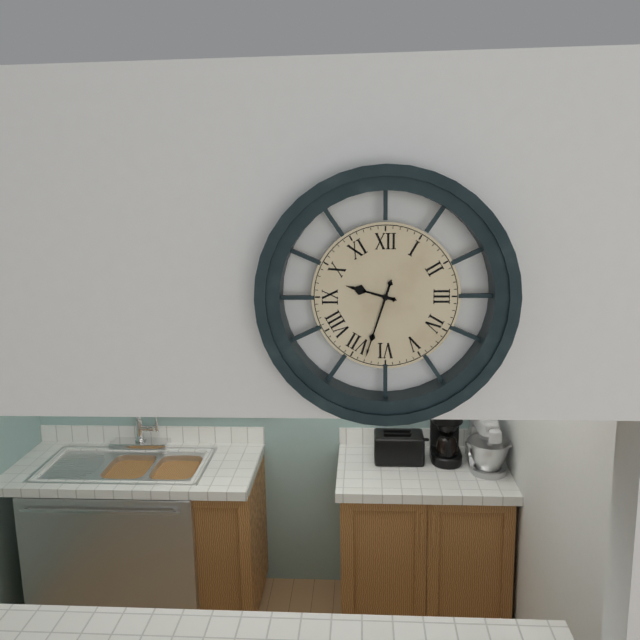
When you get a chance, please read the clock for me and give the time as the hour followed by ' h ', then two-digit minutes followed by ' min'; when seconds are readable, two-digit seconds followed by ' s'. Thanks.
9 h 33 min
